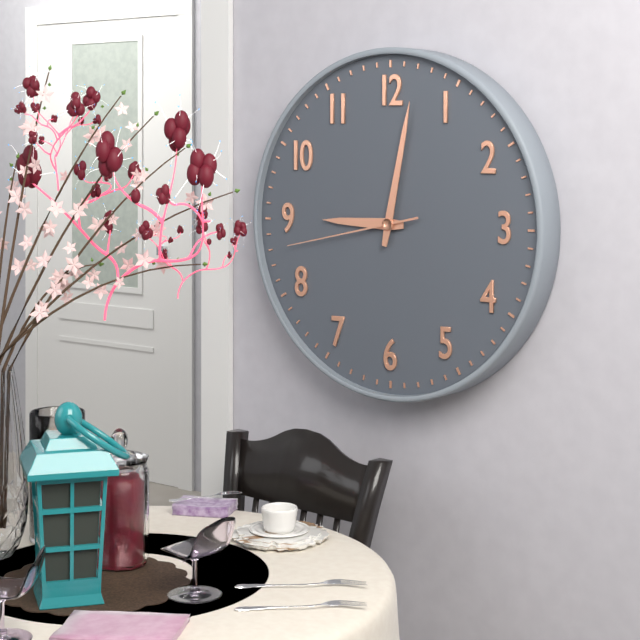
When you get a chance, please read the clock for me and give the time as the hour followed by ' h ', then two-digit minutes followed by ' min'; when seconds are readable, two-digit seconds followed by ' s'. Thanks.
9 h 02 min 43 s
